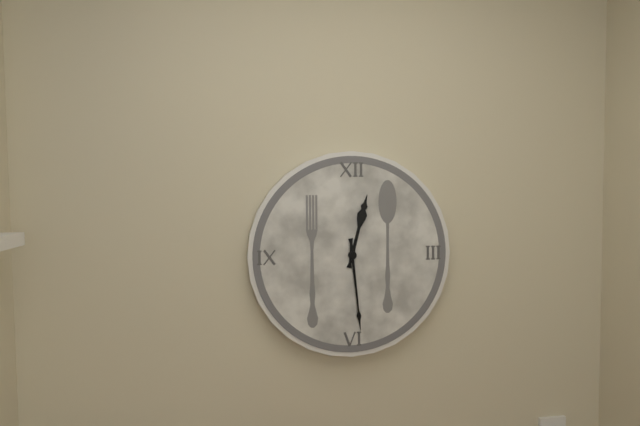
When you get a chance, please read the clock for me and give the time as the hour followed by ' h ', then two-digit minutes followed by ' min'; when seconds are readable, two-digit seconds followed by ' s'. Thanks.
12 h 29 min
